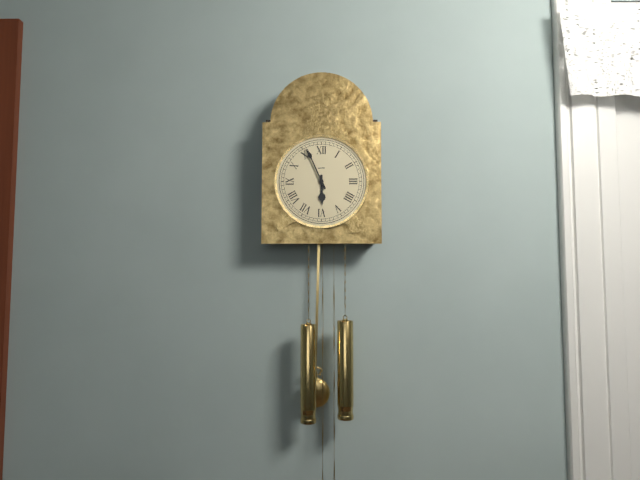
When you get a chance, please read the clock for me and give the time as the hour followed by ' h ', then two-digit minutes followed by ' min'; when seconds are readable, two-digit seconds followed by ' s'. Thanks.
5 h 56 min
